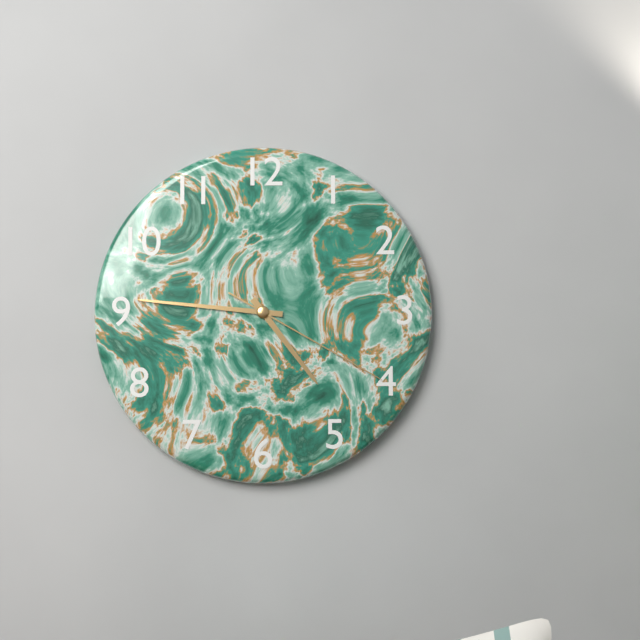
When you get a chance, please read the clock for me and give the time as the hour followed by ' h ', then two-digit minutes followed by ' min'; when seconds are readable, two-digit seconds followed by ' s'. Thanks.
4 h 46 min 20 s
